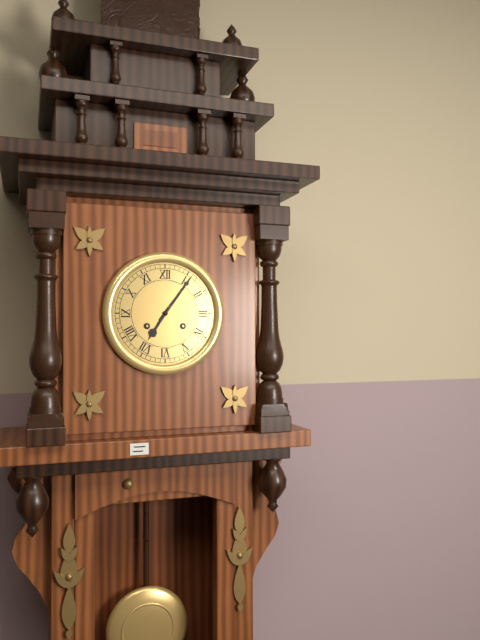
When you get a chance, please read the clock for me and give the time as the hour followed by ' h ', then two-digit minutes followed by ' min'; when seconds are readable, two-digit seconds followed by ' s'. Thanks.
7 h 06 min
